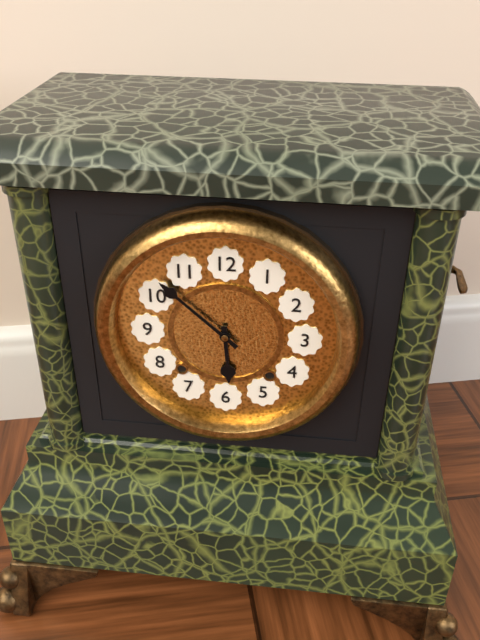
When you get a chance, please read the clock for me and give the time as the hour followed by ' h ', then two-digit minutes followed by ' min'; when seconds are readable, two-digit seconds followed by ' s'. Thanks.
5 h 52 min
